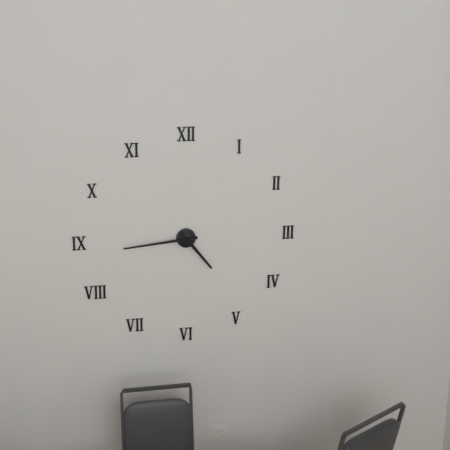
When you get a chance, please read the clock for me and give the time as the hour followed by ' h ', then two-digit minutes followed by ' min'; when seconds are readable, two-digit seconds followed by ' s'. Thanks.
4 h 44 min
